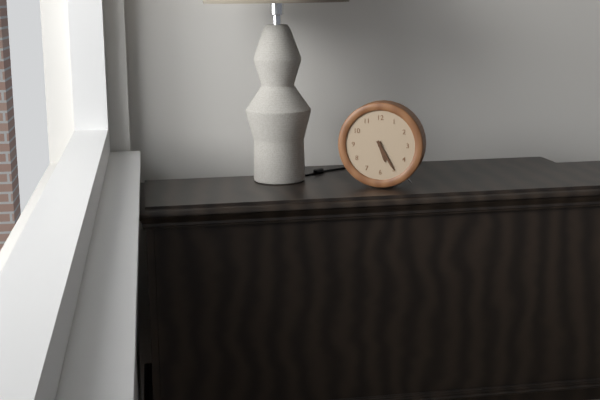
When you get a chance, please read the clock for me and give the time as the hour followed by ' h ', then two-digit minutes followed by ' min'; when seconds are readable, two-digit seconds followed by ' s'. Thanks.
5 h 25 min
